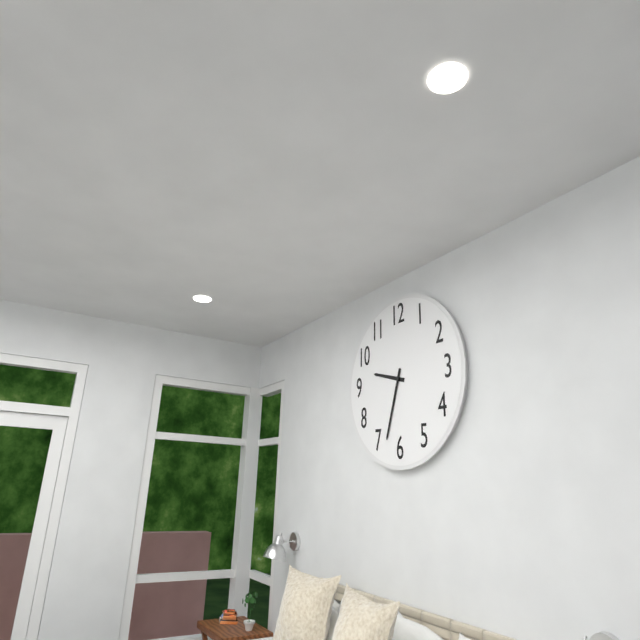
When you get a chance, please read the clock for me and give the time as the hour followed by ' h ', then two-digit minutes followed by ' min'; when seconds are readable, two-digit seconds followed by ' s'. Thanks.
9 h 33 min
